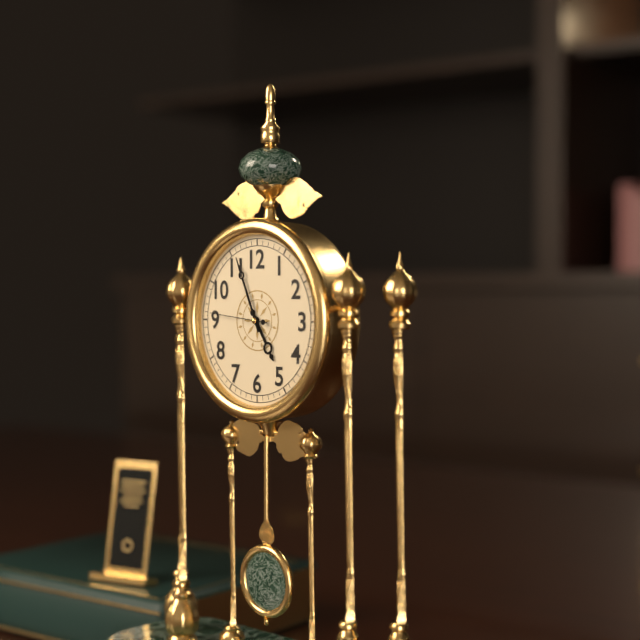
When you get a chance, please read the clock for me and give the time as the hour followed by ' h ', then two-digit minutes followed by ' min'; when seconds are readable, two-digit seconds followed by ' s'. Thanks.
4 h 56 min 46 s
